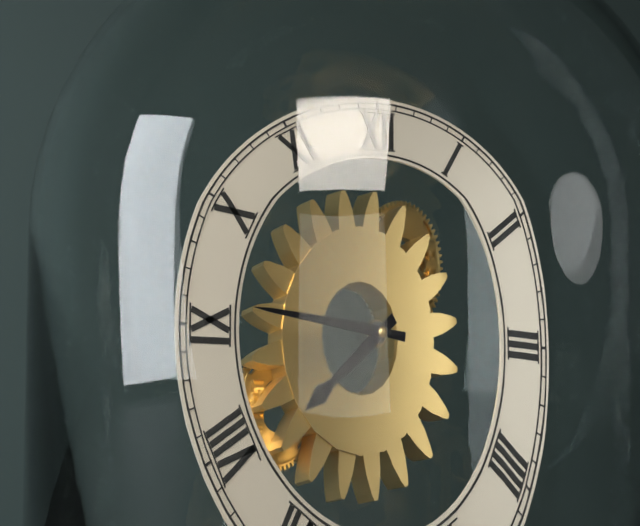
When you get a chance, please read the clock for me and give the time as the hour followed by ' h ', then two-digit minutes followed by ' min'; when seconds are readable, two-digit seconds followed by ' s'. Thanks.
7 h 46 min
